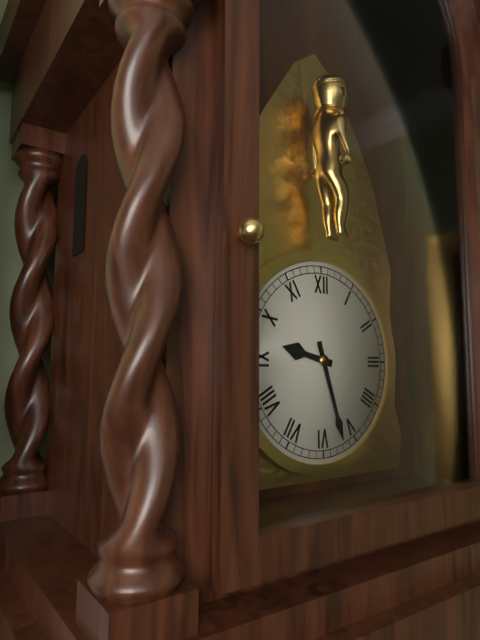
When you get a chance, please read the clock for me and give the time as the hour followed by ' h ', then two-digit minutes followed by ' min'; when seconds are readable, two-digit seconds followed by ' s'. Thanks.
9 h 27 min
